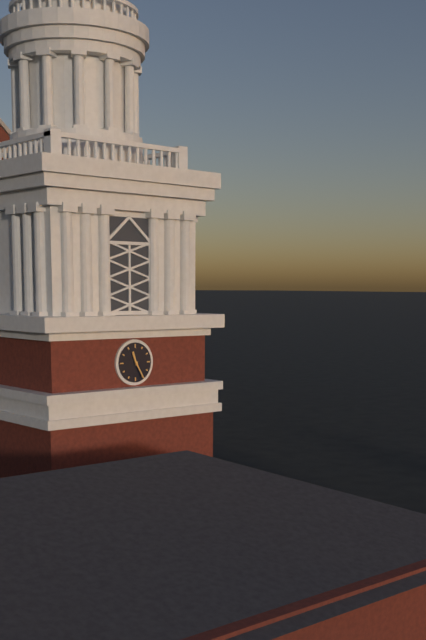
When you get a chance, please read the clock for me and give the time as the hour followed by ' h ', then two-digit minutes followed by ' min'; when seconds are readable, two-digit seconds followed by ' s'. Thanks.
11 h 25 min
